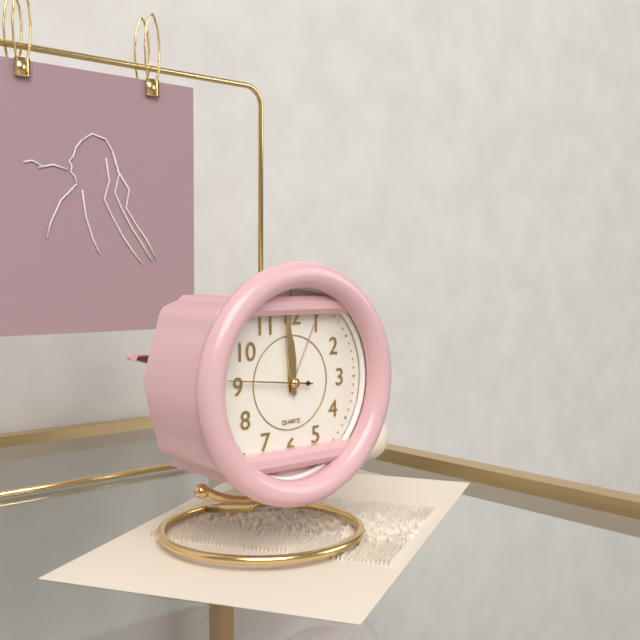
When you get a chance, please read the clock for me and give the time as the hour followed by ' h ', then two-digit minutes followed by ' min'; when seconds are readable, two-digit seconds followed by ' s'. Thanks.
11 h 59 min 46 s
